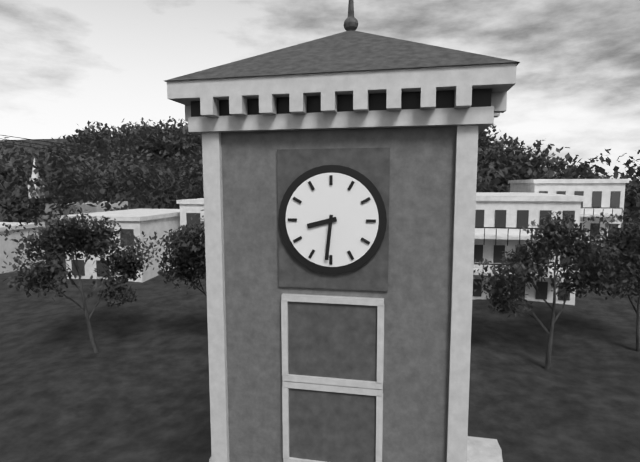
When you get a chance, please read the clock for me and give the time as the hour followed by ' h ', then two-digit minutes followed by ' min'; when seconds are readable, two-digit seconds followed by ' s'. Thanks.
8 h 31 min
